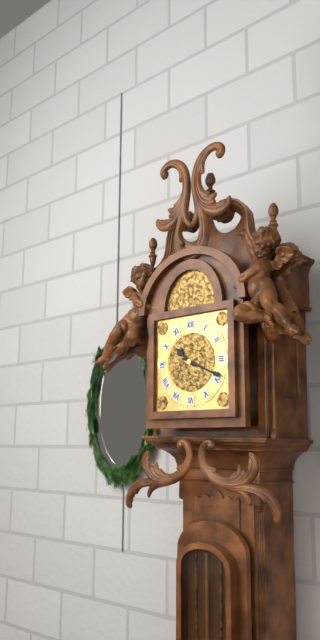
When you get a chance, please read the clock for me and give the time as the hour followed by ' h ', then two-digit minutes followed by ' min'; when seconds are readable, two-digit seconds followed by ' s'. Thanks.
10 h 19 min
